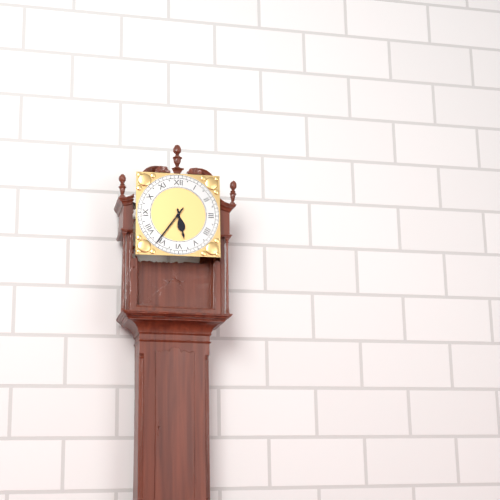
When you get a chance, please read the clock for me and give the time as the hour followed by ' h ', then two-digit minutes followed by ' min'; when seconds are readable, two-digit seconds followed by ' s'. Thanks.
5 h 36 min
